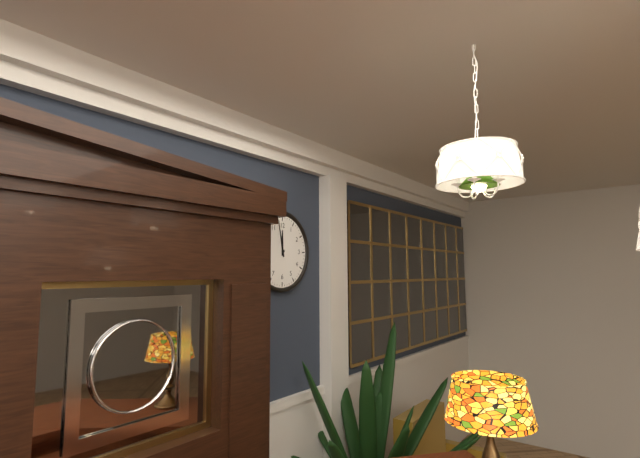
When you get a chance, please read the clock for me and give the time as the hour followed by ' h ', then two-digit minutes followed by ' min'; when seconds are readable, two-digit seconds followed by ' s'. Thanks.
11 h 58 min
